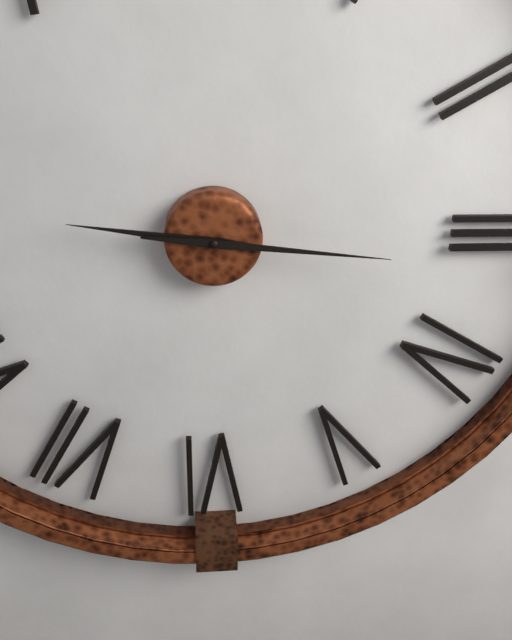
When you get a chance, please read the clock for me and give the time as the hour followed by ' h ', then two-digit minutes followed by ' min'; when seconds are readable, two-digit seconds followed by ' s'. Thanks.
9 h 16 min
